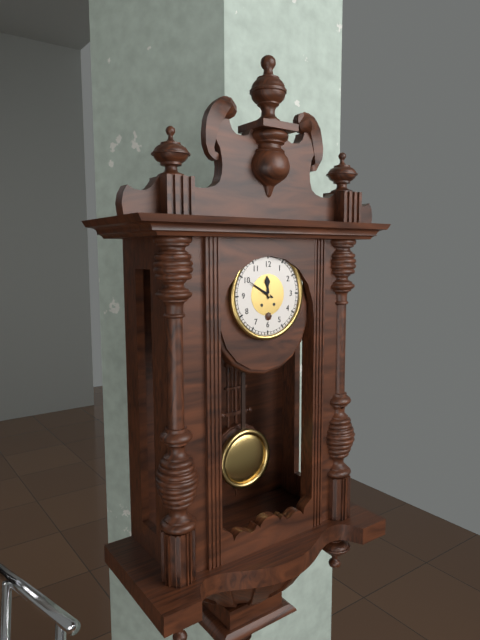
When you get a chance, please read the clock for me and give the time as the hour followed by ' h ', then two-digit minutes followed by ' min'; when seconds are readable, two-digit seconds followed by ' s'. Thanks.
11 h 50 min
